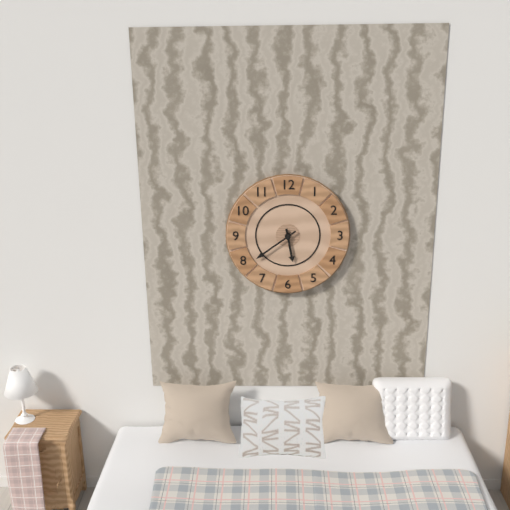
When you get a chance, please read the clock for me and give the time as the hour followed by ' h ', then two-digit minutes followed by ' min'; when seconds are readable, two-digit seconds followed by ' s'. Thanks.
5 h 39 min
